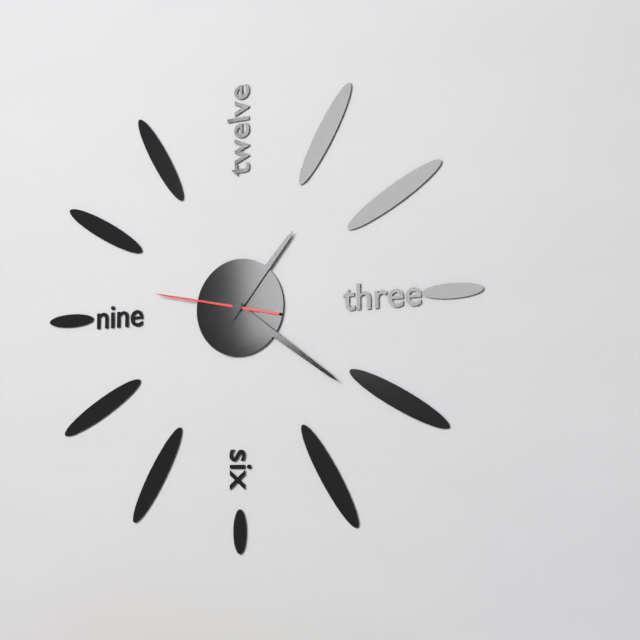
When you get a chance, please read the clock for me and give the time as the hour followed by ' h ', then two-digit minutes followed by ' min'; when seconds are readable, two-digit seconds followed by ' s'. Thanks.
1 h 21 min 47 s
